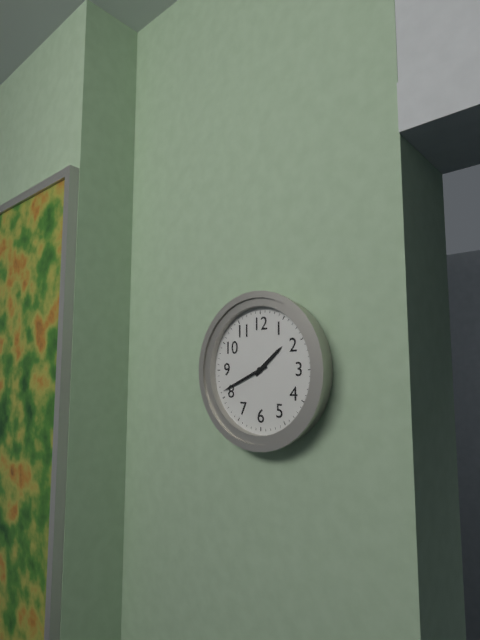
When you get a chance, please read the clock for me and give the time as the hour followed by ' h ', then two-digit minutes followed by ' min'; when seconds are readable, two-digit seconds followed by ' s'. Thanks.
1 h 41 min
